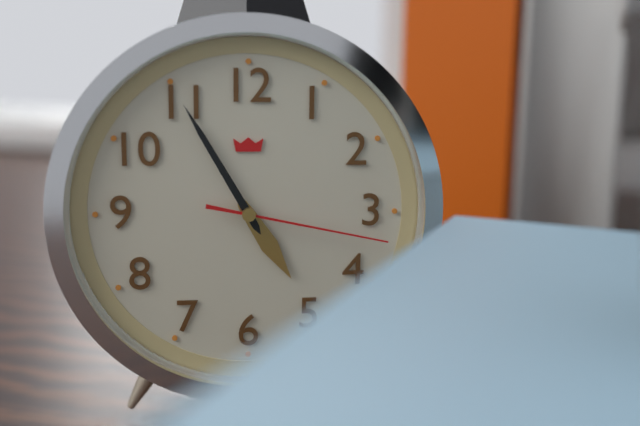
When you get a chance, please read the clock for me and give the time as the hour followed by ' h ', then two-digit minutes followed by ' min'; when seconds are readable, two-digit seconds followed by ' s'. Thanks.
4 h 55 min 17 s
